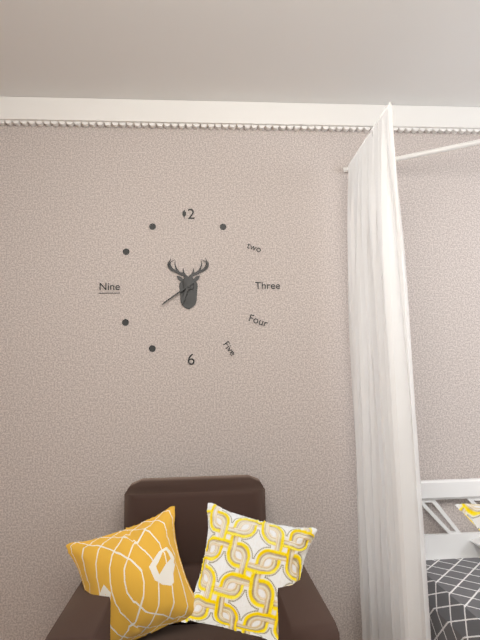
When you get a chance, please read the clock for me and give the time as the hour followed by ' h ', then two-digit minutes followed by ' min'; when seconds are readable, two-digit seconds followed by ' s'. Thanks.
6 h 39 min
